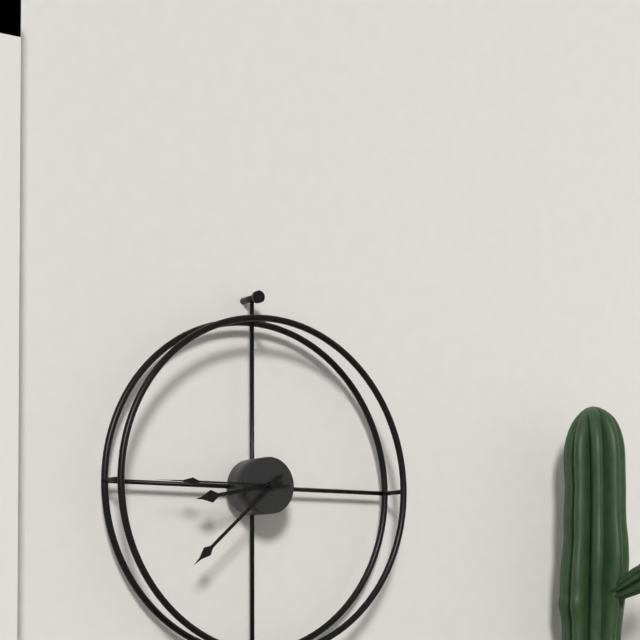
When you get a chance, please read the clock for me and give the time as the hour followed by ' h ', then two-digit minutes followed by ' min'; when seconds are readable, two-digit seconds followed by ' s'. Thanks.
8 h 38 min 45 s
